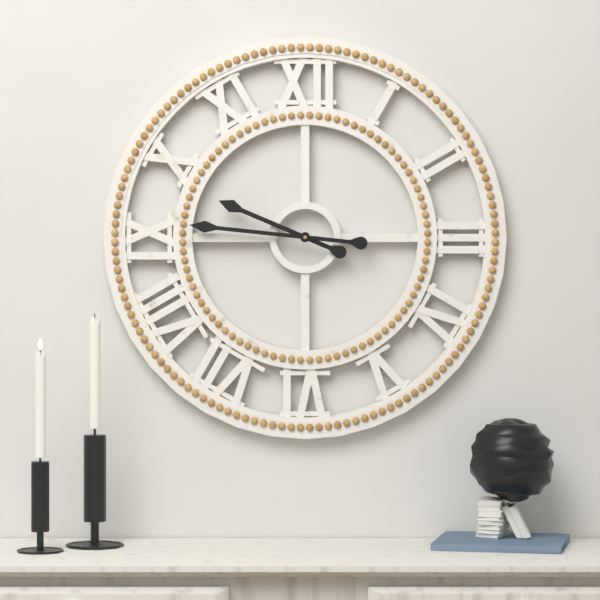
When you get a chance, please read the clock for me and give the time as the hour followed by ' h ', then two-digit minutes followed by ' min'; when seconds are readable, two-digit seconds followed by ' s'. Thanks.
9 h 46 min
